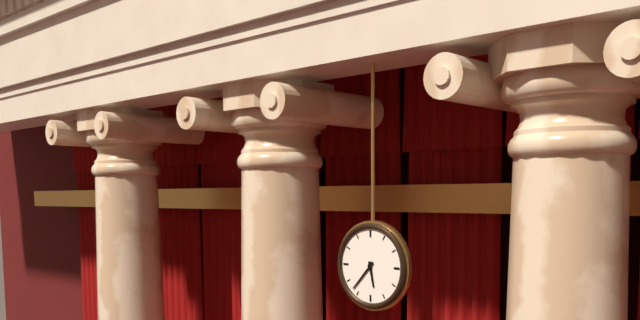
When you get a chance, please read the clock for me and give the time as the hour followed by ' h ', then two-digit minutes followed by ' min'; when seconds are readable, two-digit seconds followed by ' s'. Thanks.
5 h 37 min
